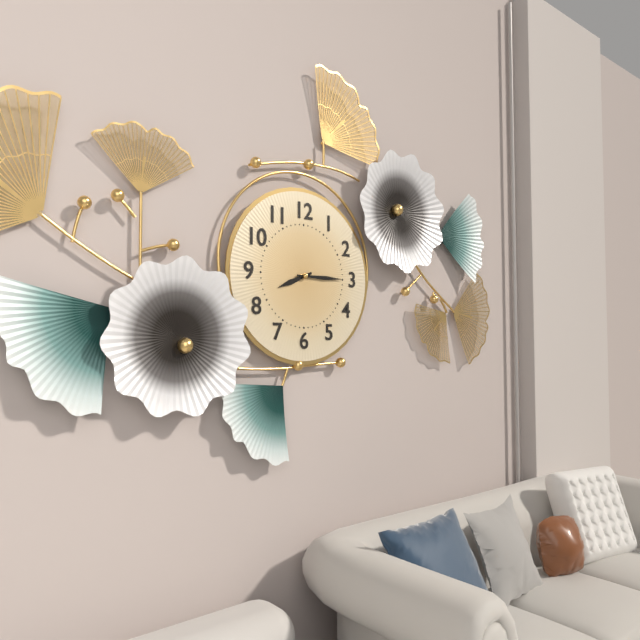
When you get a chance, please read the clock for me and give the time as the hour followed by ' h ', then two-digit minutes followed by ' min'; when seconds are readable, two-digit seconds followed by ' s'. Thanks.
8 h 15 min
